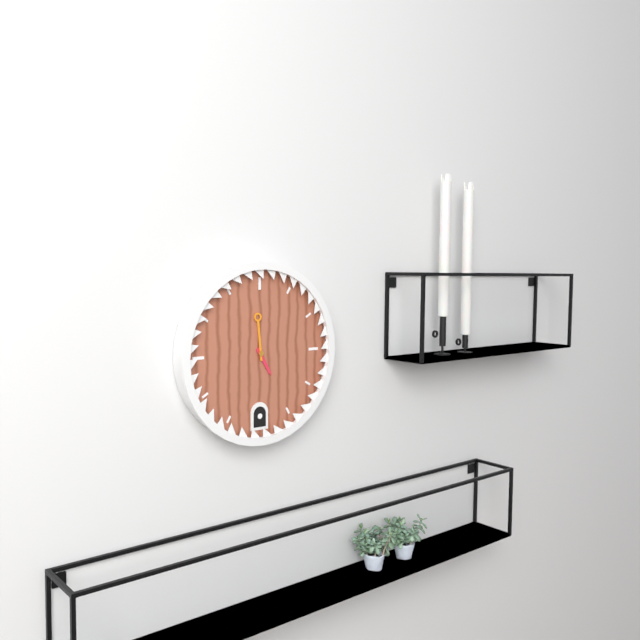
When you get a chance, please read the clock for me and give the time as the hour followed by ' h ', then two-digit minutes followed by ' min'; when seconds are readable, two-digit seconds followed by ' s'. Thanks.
4 h 59 min
